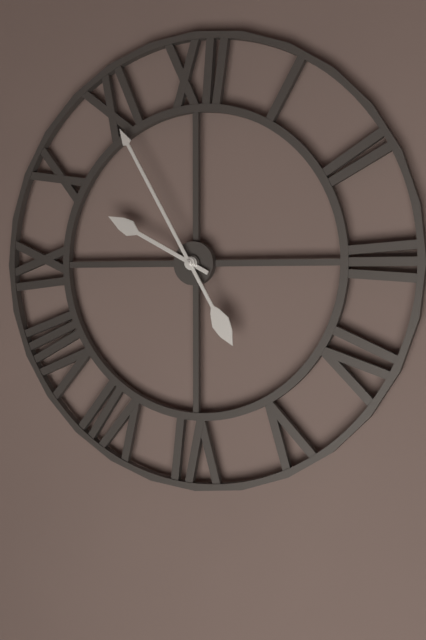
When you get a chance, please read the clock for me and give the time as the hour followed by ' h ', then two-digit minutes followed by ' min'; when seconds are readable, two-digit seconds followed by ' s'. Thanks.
9 h 55 min
